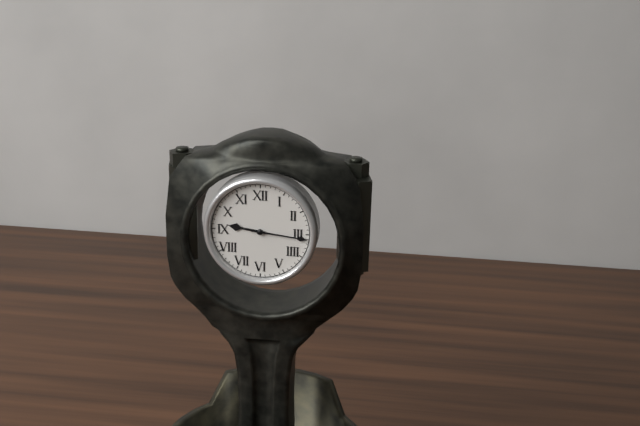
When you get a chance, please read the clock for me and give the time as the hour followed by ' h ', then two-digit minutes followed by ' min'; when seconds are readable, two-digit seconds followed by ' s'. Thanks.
9 h 16 min
